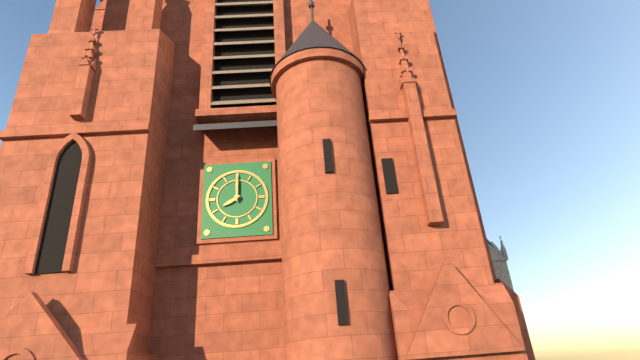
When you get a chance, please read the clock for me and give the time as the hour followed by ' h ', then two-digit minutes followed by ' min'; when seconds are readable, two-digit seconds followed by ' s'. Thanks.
8 h 00 min
